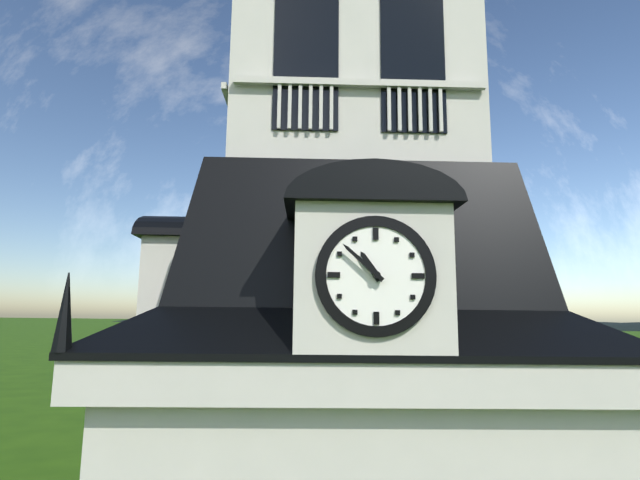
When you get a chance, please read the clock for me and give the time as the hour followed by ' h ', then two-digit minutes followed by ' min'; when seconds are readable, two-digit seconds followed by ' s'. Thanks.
10 h 52 min
